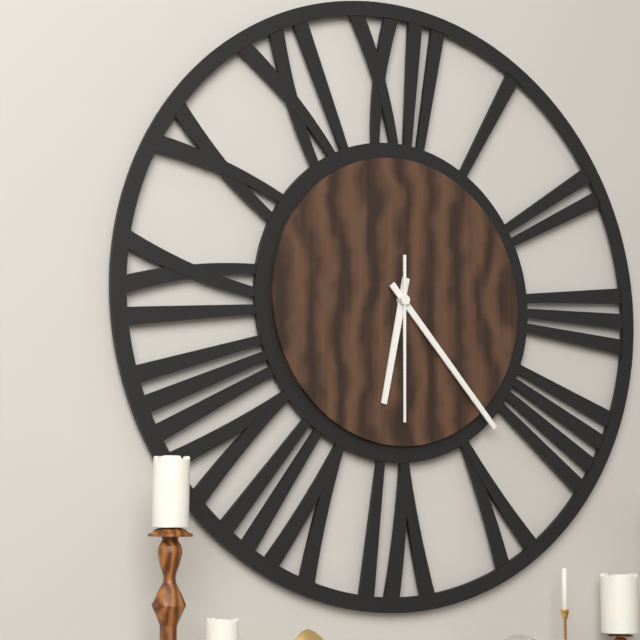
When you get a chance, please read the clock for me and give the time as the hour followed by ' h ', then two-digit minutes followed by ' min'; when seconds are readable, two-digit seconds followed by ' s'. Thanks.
6 h 23 min 30 s
